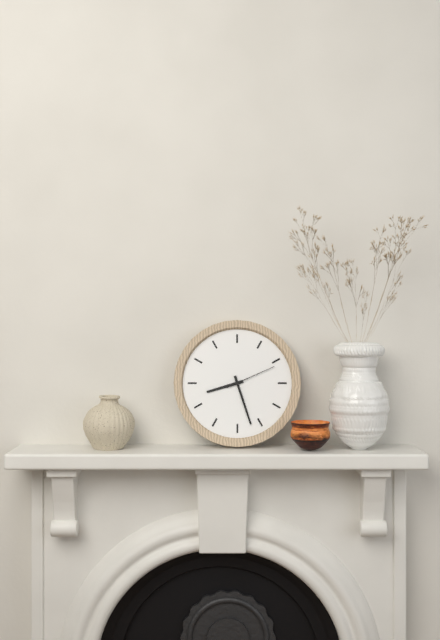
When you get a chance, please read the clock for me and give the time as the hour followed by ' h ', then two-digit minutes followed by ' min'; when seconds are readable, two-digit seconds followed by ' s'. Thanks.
8 h 27 min 11 s
